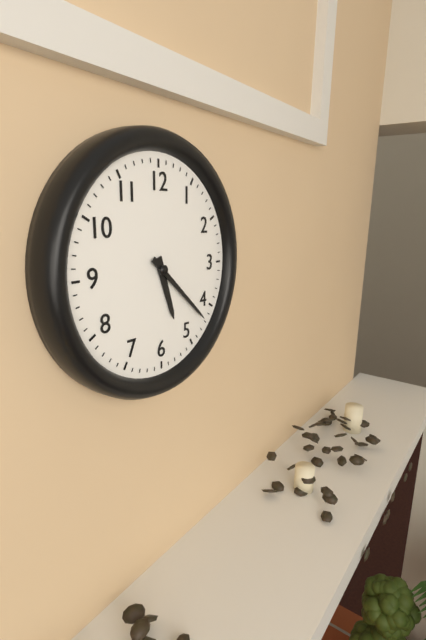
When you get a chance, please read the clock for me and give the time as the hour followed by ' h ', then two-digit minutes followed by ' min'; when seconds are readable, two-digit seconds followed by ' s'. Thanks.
5 h 22 min
